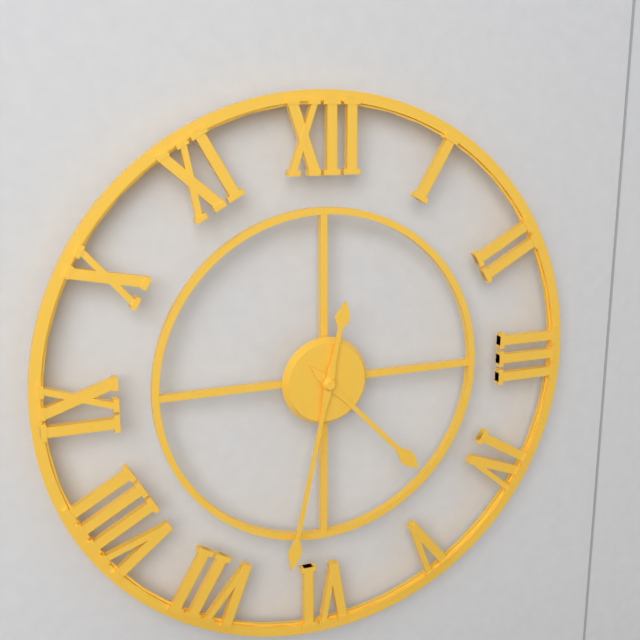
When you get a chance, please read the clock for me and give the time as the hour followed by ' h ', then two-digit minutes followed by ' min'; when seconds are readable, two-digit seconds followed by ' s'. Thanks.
4 h 32 min
